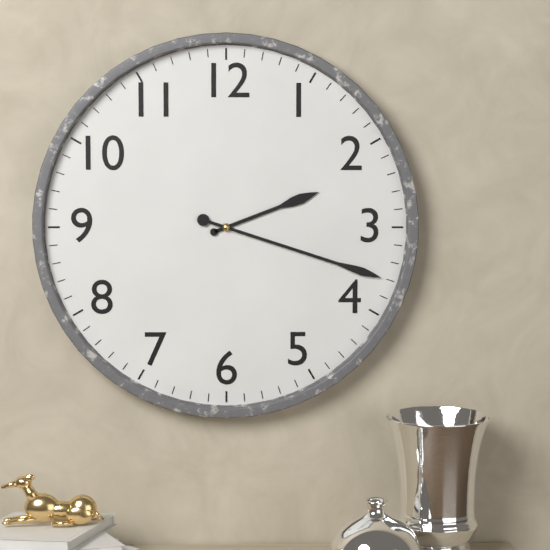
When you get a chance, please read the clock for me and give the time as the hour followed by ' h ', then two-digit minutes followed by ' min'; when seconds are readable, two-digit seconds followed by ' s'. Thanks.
2 h 18 min
